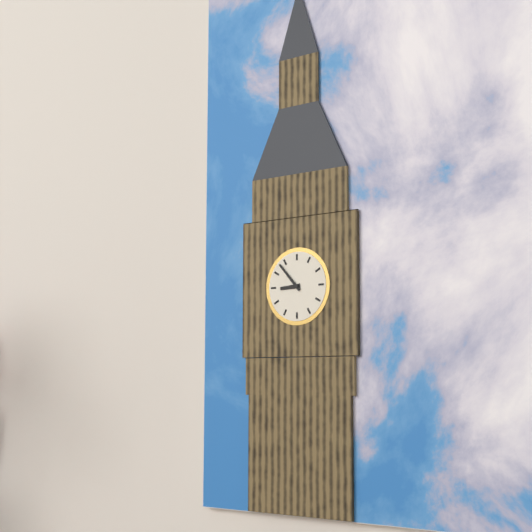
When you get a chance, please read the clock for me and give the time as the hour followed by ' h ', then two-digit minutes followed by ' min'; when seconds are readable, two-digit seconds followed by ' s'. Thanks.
8 h 53 min
